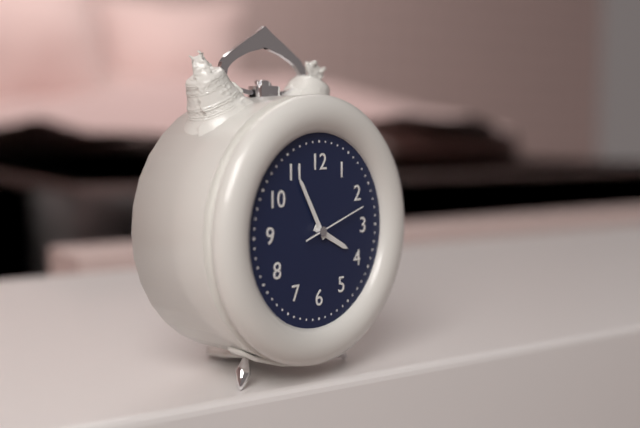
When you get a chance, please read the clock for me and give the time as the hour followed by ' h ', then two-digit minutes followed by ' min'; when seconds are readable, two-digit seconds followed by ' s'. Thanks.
3 h 55 min 12 s
